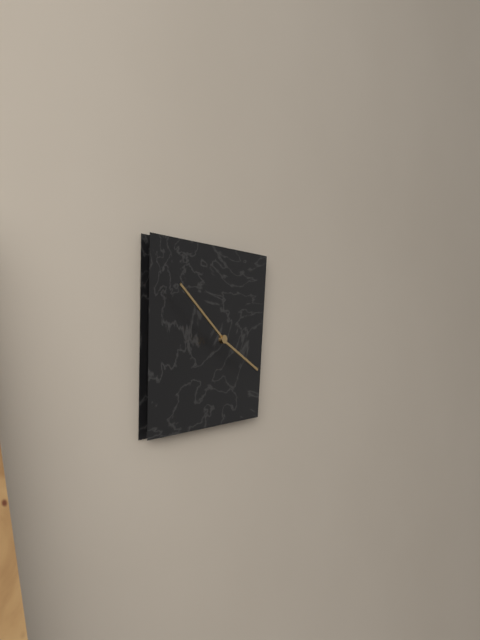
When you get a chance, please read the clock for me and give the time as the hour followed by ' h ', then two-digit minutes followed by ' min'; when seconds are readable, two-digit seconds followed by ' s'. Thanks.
3 h 51 min
